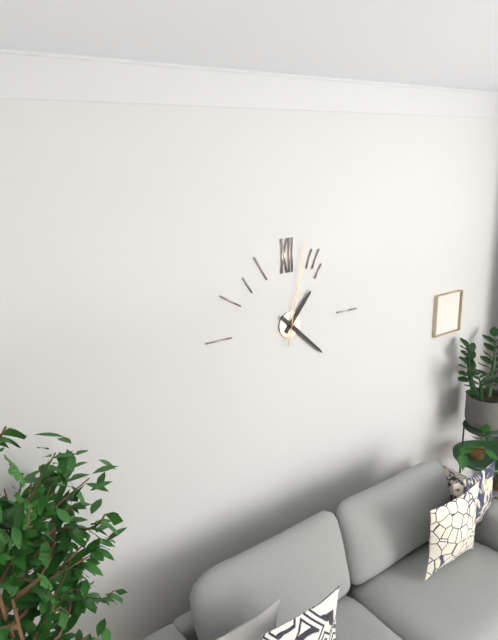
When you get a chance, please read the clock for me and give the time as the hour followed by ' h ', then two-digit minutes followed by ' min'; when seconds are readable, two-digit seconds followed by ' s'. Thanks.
1 h 22 min 02 s
